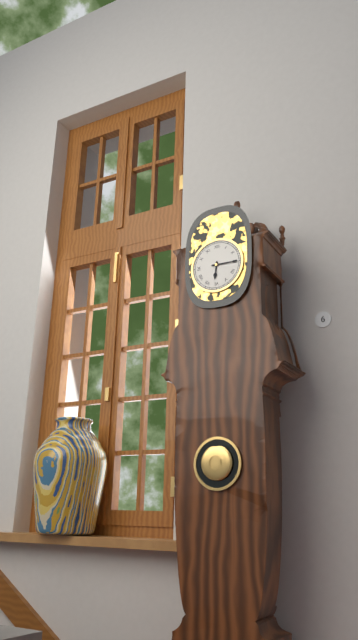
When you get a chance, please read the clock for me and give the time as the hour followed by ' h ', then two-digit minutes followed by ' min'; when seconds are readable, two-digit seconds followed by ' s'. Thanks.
6 h 15 min
